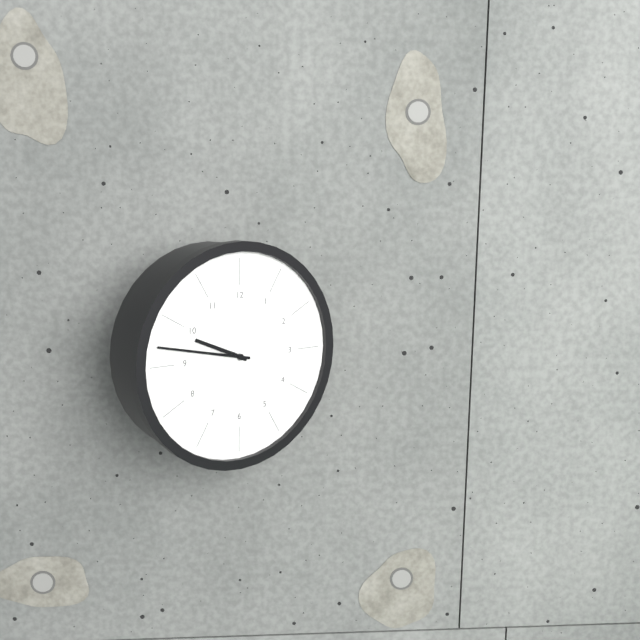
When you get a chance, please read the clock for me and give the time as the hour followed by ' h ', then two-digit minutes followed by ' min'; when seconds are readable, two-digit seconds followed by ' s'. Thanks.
9 h 47 min
